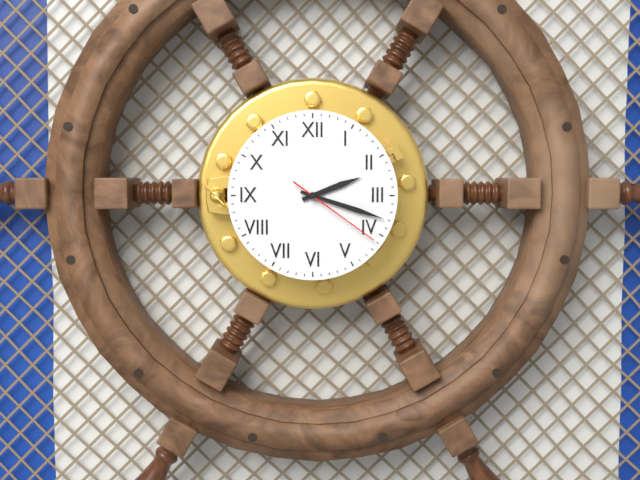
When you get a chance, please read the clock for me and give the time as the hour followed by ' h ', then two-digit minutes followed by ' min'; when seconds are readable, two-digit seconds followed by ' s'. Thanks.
2 h 18 min 21 s
